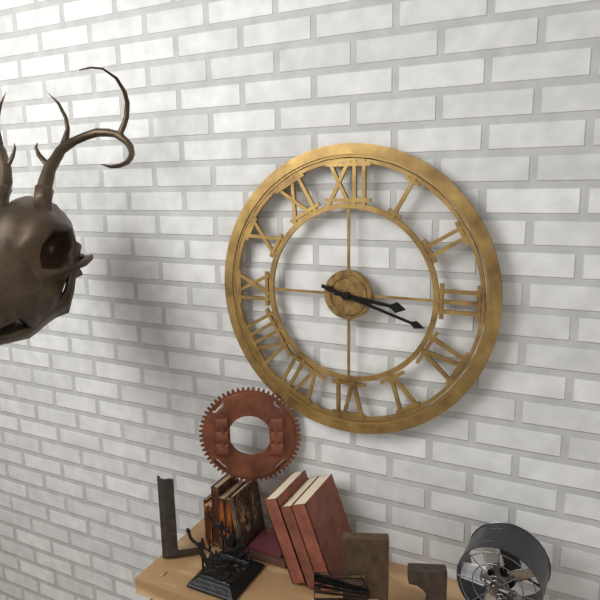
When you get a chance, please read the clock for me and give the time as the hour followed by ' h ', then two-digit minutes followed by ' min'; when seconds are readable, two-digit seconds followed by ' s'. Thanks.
3 h 18 min
